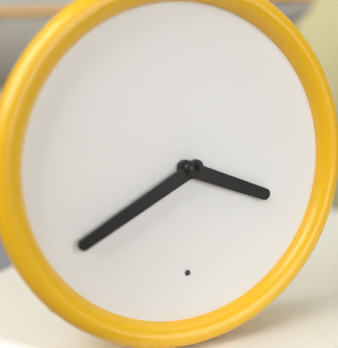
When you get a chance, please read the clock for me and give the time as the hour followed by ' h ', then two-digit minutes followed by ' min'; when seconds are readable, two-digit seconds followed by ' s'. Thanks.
3 h 40 min
